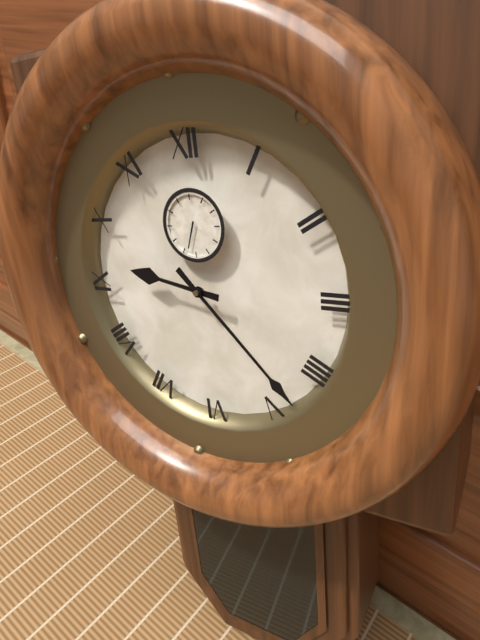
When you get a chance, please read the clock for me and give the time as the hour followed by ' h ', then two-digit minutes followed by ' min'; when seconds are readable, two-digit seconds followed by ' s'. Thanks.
9 h 23 min
